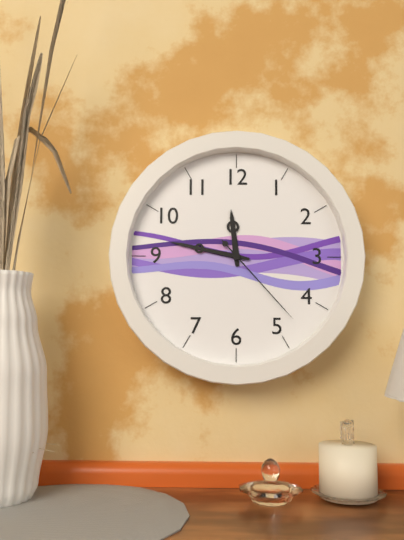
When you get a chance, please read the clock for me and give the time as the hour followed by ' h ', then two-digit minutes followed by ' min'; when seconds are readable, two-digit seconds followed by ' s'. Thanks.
11 h 47 min 23 s
